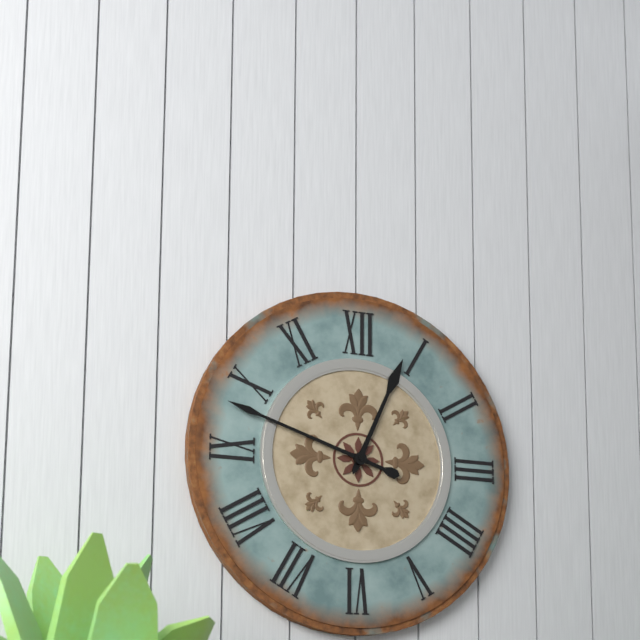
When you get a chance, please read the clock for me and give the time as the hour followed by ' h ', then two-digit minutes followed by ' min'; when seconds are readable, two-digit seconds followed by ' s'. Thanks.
12 h 48 min
